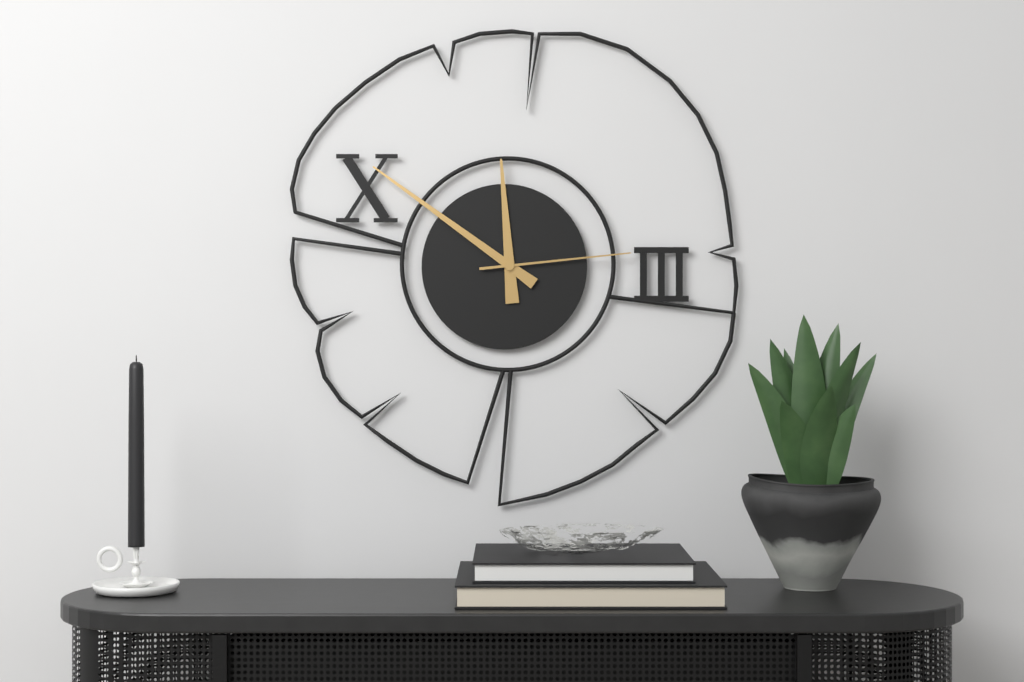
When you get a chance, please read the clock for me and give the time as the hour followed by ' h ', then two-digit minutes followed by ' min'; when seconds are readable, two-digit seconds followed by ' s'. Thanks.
11 h 51 min 14 s
